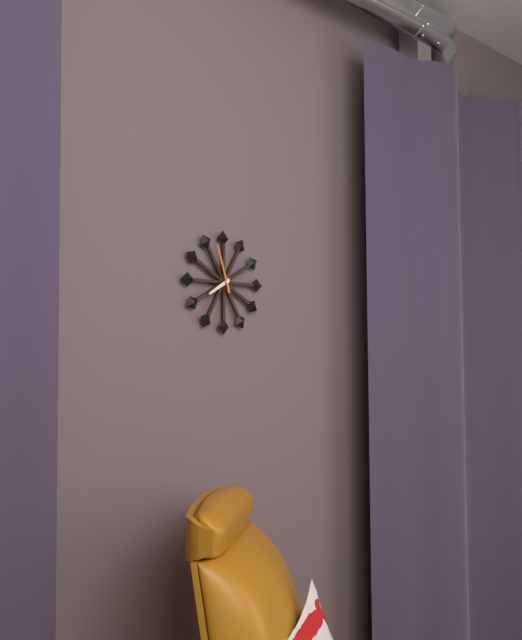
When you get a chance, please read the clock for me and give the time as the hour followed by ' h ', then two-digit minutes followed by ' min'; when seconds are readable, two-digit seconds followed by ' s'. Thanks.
7 h 57 min
